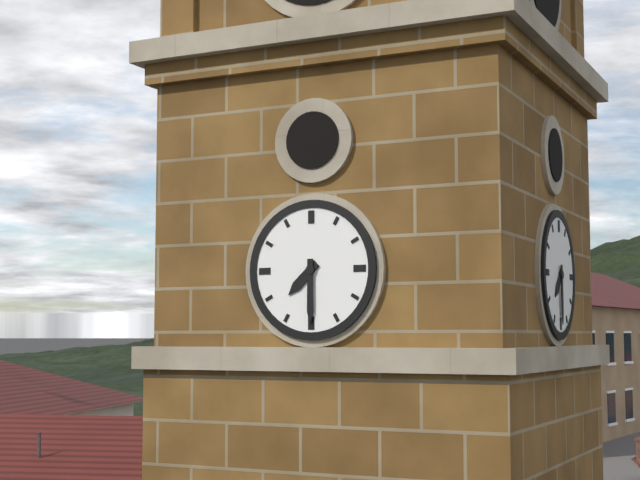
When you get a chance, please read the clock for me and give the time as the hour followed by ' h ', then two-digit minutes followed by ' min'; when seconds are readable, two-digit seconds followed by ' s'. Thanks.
7 h 30 min
